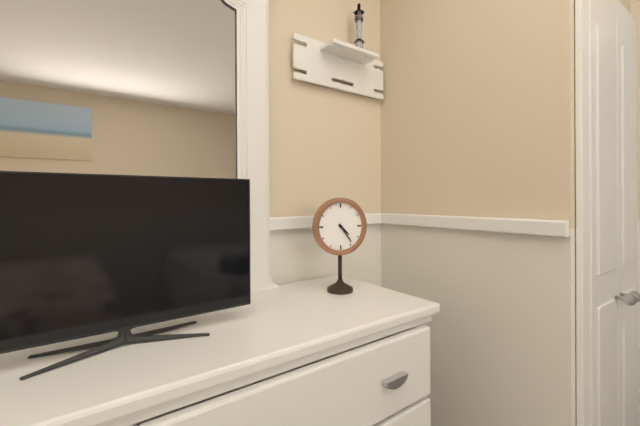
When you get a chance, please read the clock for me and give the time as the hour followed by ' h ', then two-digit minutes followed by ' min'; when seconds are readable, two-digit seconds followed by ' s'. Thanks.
4 h 24 min
